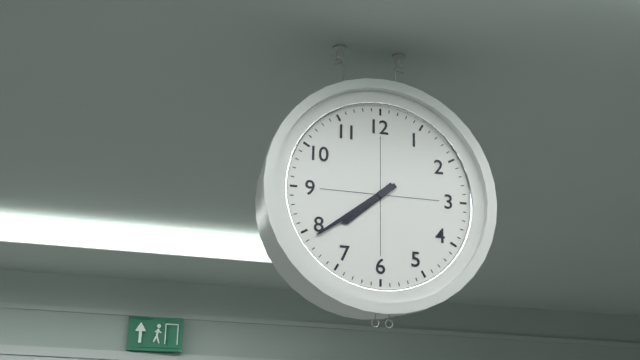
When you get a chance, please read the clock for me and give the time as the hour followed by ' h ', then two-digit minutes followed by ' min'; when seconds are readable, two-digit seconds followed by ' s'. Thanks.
7 h 39 min
